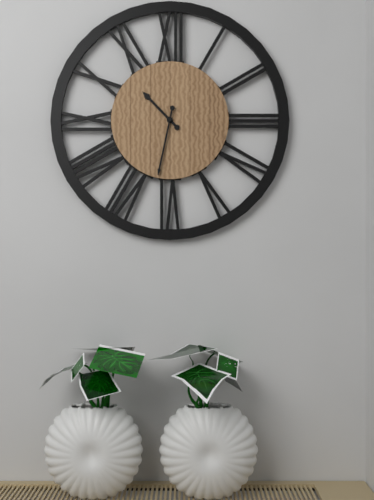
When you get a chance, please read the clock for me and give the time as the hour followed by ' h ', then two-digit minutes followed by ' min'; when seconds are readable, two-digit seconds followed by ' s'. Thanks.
10 h 32 min
